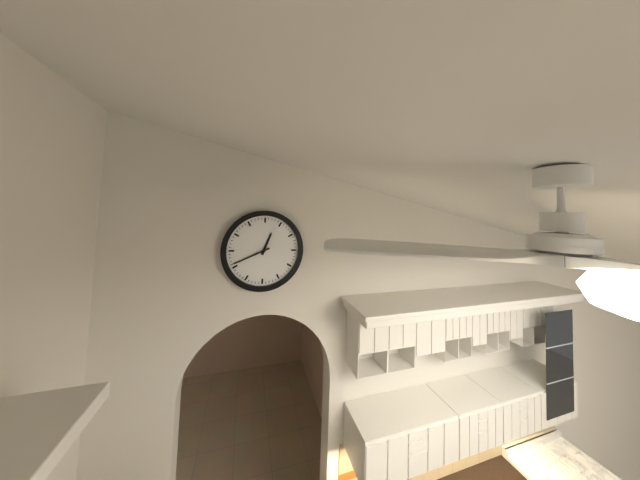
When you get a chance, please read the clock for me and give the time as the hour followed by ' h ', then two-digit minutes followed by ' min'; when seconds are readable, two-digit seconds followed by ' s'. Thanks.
12 h 41 min
